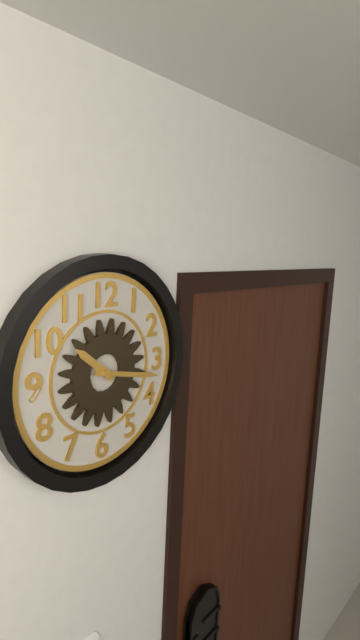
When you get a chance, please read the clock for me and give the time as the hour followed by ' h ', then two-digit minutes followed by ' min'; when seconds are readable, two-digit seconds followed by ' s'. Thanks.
10 h 17 min
